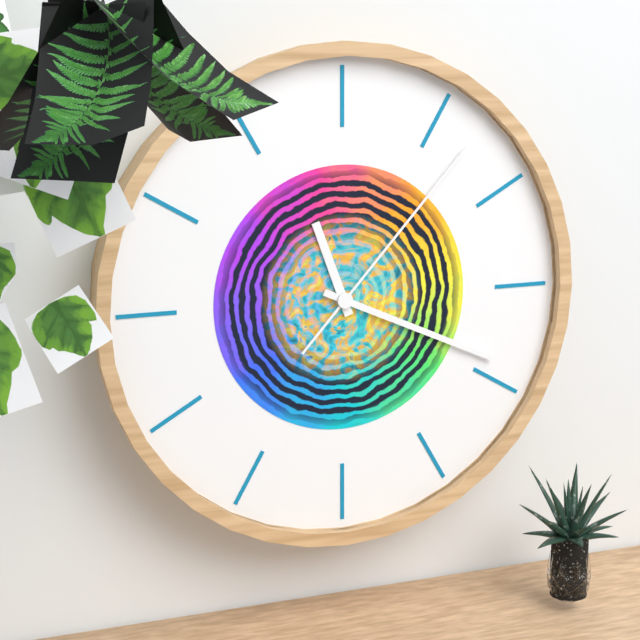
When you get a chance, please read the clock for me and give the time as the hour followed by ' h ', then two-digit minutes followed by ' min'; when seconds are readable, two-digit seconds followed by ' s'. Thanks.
11 h 19 min 07 s
